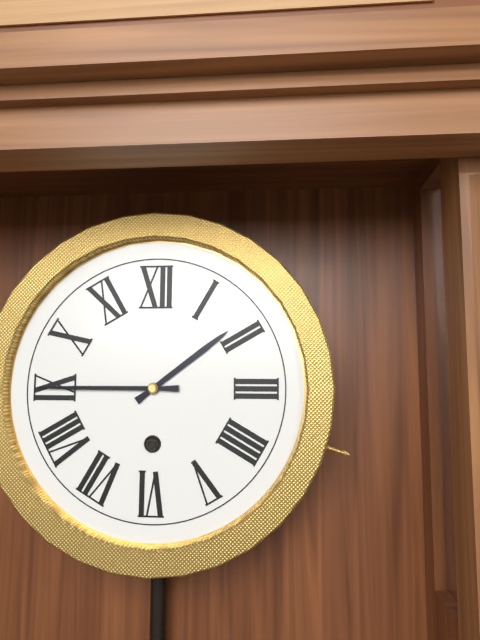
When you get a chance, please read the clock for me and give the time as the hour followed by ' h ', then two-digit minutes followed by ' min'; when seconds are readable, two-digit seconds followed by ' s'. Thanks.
1 h 45 min
